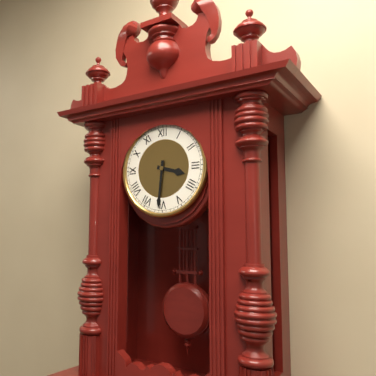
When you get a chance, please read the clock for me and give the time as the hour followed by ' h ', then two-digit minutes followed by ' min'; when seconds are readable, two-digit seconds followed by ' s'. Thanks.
3 h 31 min
